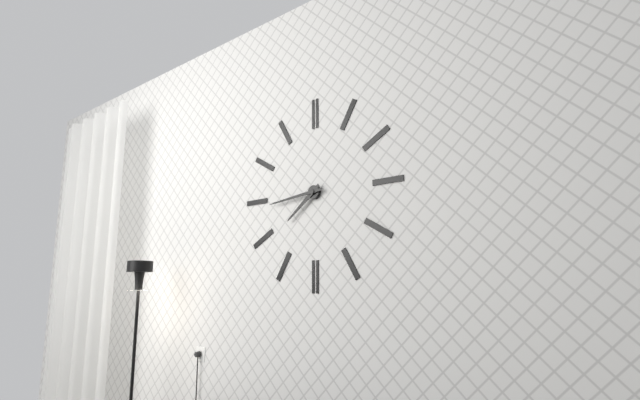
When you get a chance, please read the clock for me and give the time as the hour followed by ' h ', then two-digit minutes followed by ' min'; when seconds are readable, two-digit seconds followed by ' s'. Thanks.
7 h 44 min
